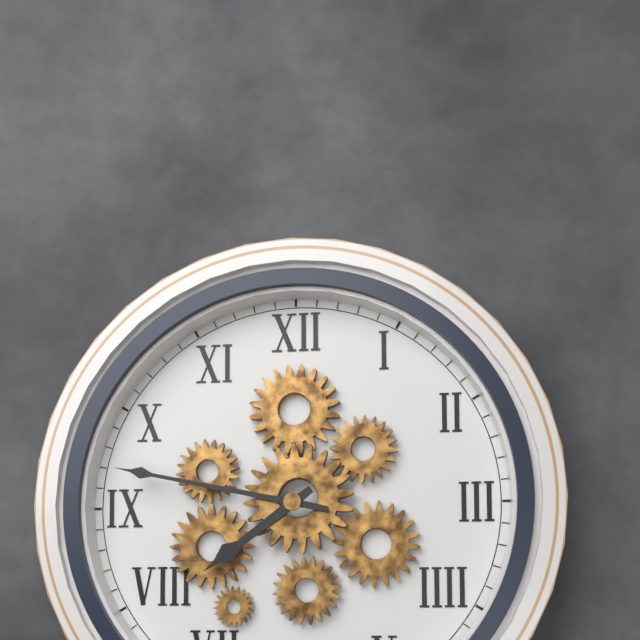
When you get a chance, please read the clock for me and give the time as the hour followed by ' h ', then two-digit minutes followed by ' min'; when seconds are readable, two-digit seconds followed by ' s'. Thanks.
7 h 47 min
